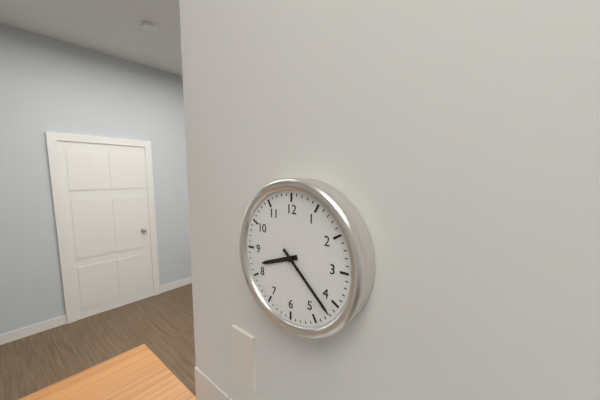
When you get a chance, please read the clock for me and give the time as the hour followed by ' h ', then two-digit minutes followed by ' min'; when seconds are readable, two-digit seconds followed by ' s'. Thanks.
8 h 22 min
